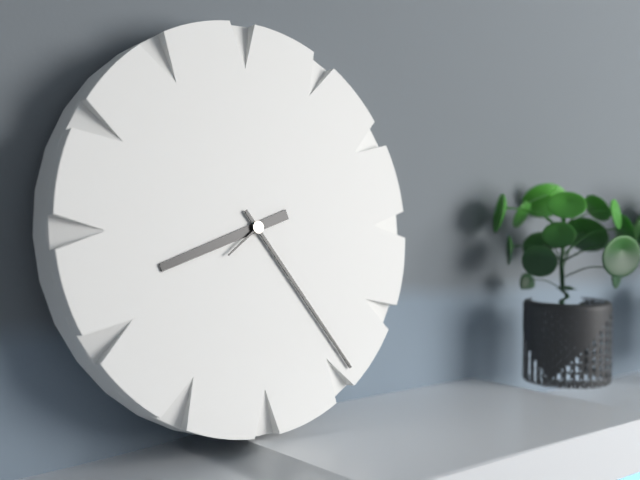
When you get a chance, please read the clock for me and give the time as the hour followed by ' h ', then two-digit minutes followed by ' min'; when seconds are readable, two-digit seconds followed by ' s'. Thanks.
8 h 24 min 39 s
